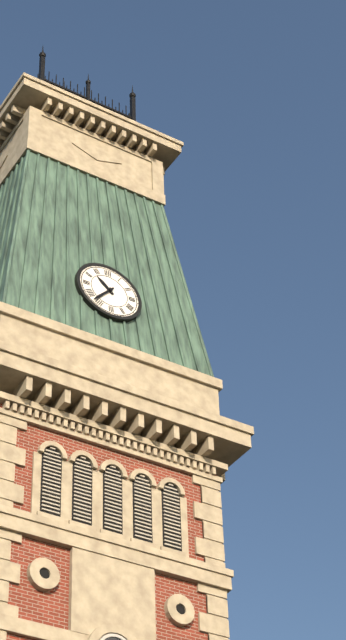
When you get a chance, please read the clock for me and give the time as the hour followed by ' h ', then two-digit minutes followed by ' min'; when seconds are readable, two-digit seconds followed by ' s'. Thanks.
10 h 37 min
